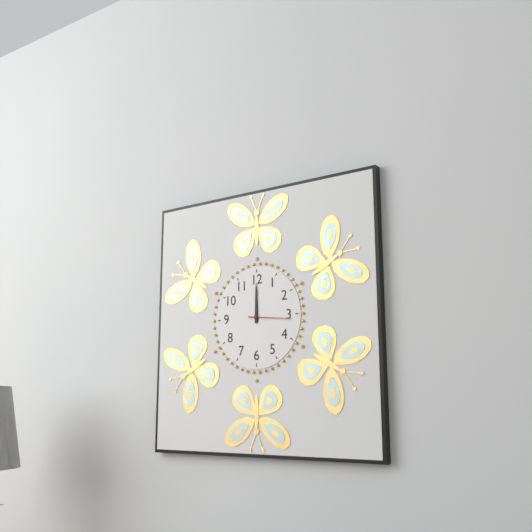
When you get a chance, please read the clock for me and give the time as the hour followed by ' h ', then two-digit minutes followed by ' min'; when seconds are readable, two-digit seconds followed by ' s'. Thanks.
12 h 00 min
